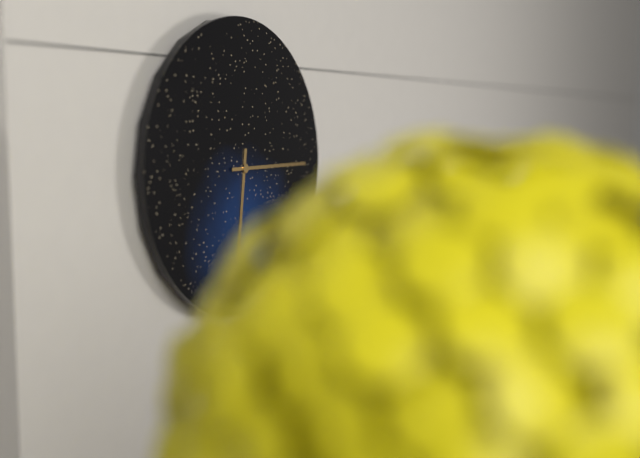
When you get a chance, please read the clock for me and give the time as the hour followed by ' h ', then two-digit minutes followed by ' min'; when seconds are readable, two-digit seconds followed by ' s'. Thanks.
6 h 15 min
